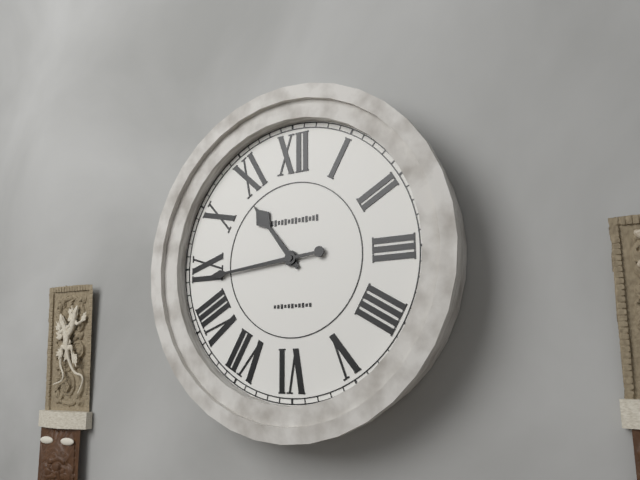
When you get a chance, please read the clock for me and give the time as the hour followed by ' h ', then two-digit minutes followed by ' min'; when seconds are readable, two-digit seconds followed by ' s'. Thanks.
10 h 44 min
